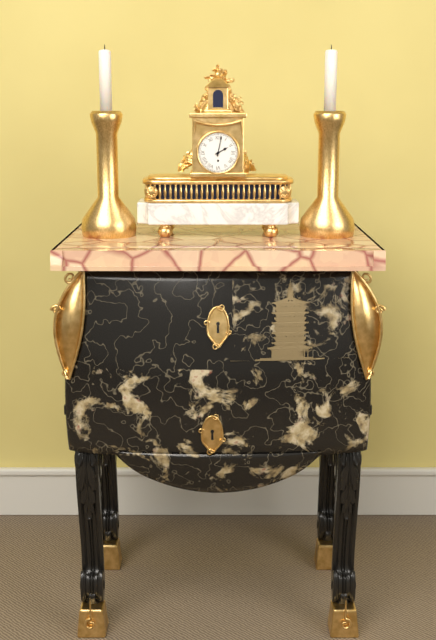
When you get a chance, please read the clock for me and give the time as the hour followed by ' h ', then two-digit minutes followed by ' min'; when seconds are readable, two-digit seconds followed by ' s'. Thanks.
2 h 02 min
